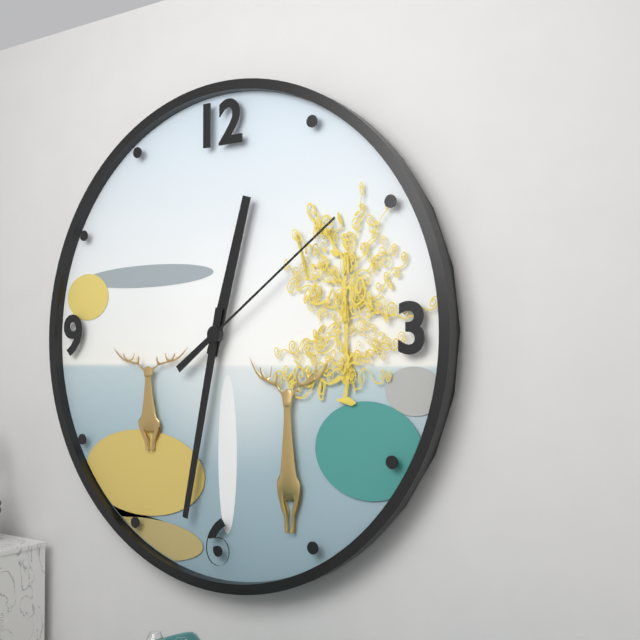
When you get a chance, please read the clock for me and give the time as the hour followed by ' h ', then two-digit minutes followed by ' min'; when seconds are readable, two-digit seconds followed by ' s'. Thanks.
12 h 32 min 09 s
